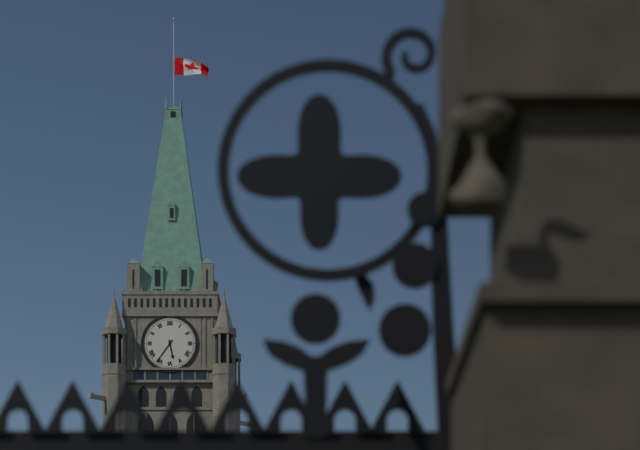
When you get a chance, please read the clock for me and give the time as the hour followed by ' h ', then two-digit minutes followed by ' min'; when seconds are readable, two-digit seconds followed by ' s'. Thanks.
5 h 36 min
